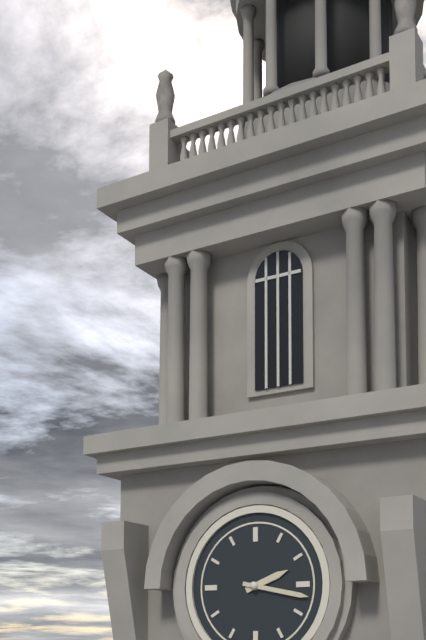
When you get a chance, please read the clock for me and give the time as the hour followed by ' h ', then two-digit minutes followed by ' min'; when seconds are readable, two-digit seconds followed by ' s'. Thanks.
2 h 17 min
